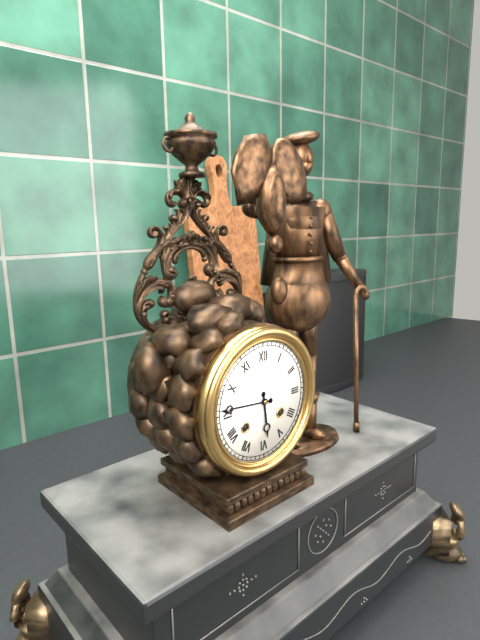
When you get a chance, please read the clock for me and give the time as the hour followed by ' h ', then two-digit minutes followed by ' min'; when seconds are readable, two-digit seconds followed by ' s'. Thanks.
5 h 46 min
